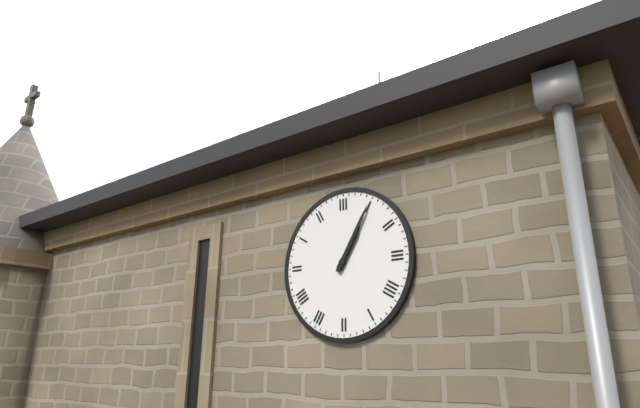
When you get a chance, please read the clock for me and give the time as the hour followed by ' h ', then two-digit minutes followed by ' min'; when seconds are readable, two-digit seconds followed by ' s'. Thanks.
1 h 05 min
